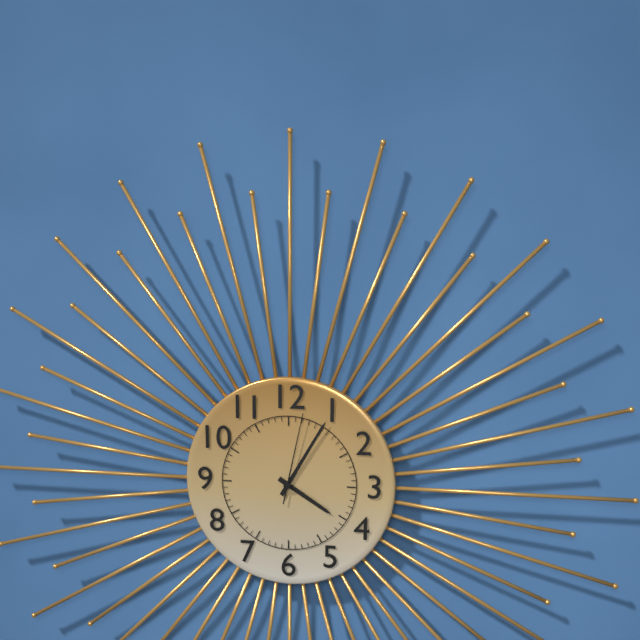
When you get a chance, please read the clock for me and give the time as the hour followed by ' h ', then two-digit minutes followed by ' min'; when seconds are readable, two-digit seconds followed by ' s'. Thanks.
4 h 05 min 02 s
